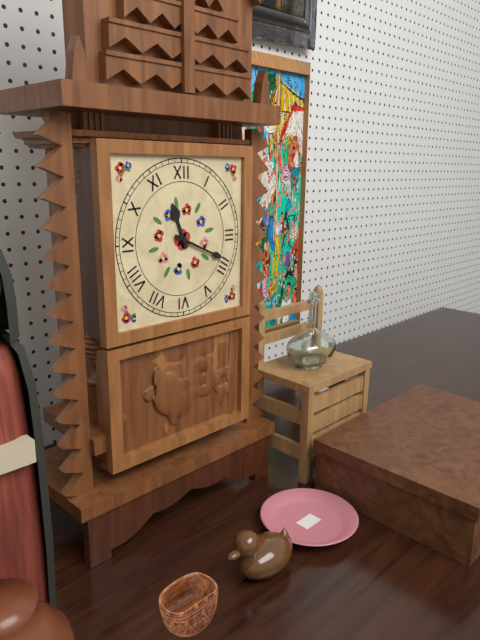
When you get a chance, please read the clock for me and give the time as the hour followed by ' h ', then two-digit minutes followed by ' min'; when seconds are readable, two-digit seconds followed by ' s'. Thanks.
11 h 19 min
